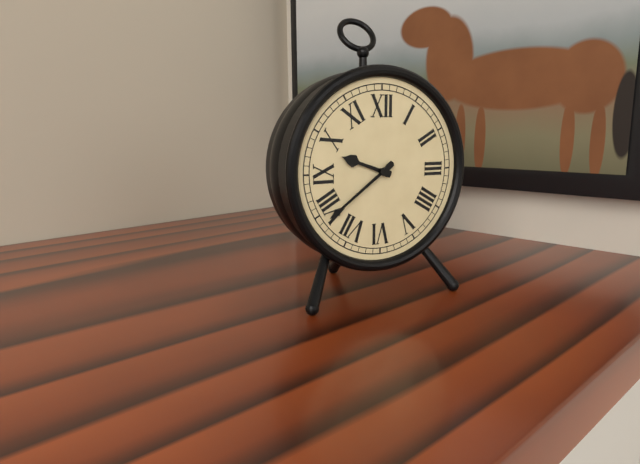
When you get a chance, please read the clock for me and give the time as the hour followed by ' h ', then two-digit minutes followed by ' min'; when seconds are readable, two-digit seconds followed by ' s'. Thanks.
9 h 39 min
